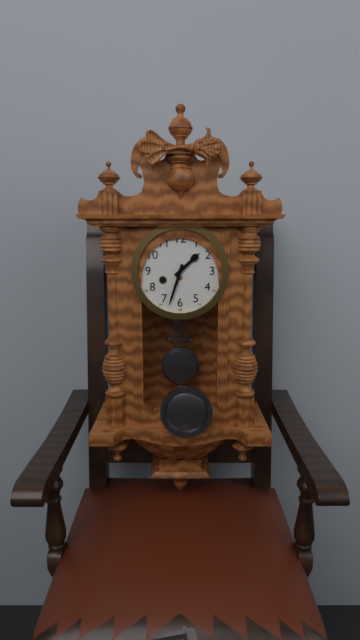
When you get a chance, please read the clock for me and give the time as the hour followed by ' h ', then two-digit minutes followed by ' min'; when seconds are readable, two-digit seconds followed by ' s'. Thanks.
1 h 33 min
